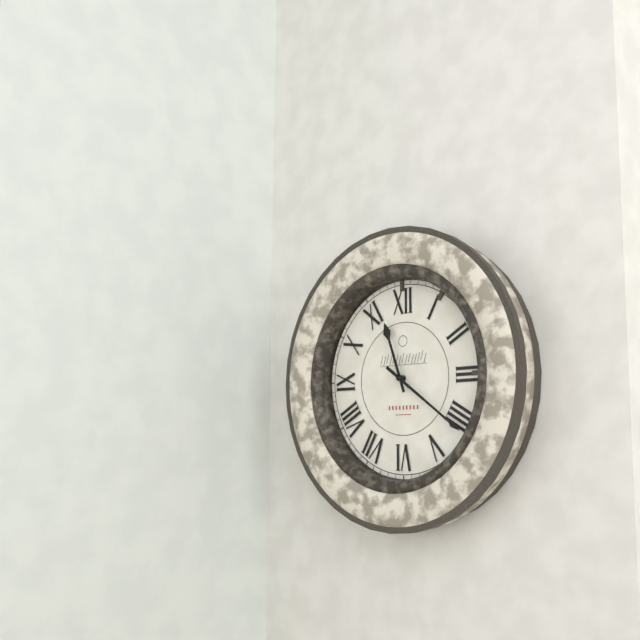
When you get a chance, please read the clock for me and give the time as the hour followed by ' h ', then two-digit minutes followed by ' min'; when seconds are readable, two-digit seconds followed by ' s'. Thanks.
11 h 21 min
